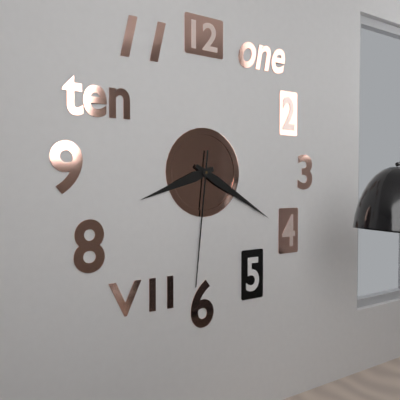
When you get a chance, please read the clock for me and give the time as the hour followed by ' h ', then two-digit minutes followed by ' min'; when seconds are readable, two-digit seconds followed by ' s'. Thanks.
8 h 20 min 31 s
